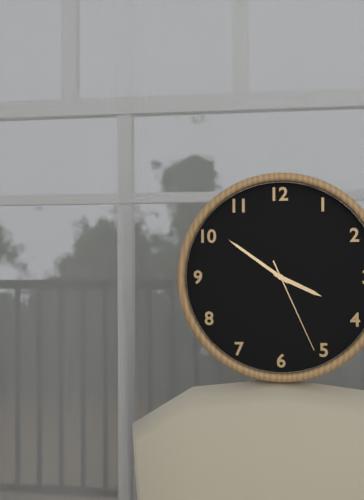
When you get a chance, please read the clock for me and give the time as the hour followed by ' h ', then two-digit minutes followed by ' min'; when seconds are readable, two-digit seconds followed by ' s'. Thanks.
3 h 51 min 26 s
